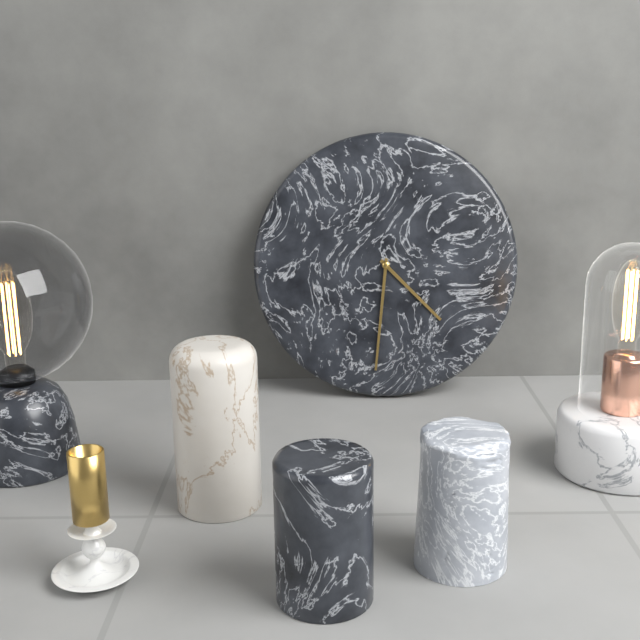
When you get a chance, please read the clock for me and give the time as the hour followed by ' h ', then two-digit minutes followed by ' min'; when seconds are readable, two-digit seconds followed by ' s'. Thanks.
4 h 31 min
